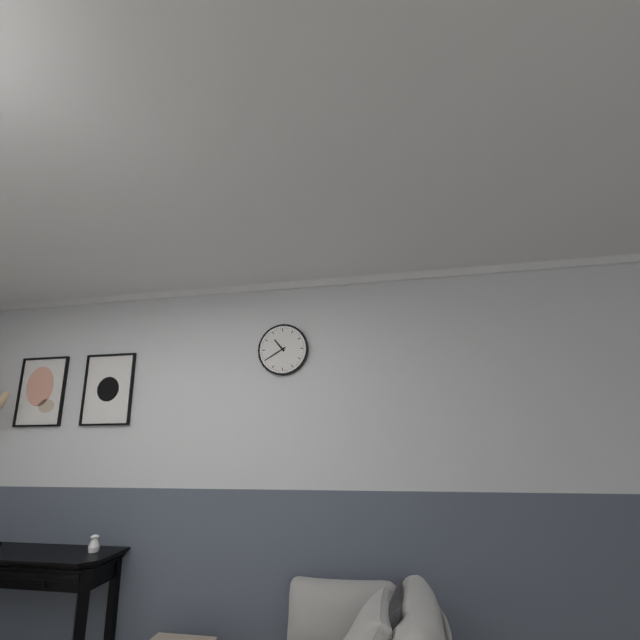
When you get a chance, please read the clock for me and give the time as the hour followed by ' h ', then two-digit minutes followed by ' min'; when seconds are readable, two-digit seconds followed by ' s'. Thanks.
10 h 40 min
